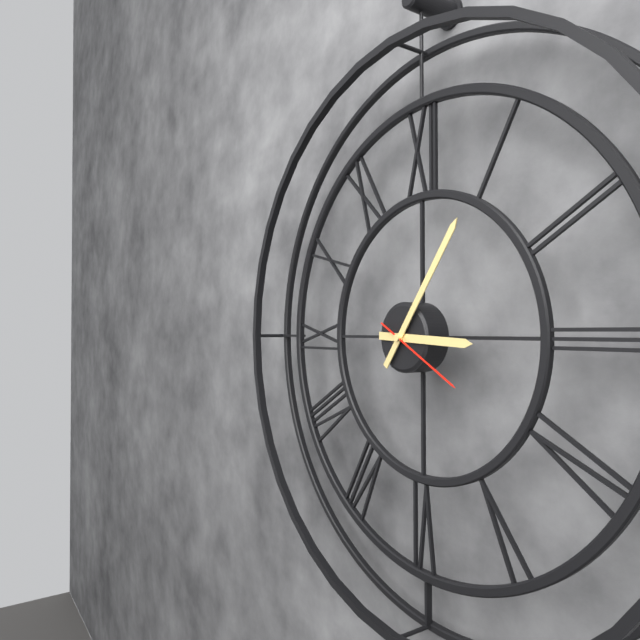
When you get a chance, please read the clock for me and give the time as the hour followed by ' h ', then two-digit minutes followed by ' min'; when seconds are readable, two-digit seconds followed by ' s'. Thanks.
3 h 06 min 20 s
